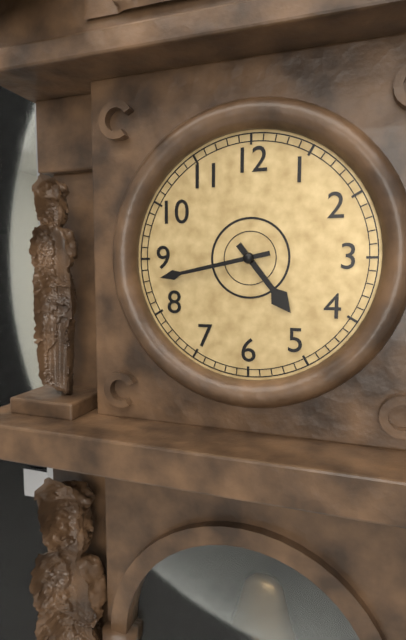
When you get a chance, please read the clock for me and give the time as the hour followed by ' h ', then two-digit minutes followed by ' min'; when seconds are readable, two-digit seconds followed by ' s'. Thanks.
4 h 43 min
